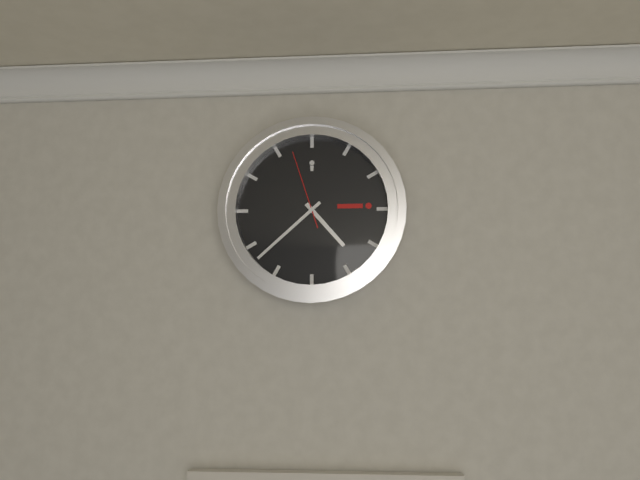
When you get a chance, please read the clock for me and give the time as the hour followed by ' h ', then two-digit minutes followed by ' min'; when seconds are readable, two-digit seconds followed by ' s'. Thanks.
4 h 38 min 57 s
